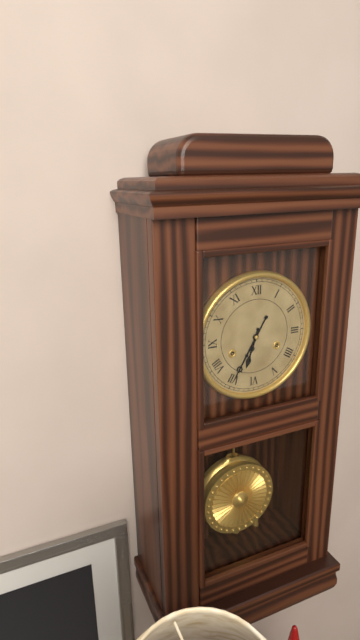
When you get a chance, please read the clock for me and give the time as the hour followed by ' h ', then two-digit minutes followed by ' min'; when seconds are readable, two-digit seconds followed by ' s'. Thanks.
6 h 35 min
